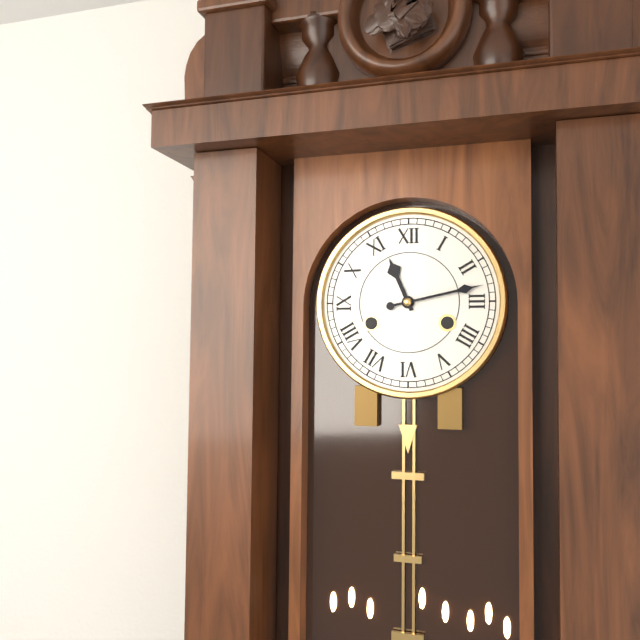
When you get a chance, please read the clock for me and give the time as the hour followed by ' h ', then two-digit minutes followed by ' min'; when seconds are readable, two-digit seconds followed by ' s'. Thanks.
11 h 13 min
